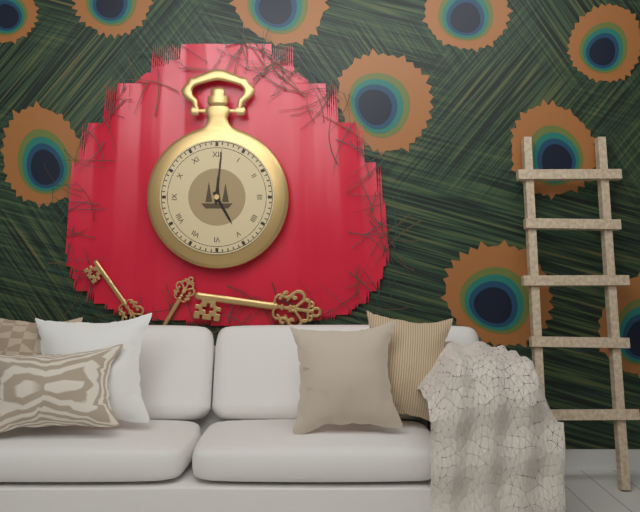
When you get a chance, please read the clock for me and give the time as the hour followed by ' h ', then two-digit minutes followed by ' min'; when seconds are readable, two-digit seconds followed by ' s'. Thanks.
5 h 01 min
